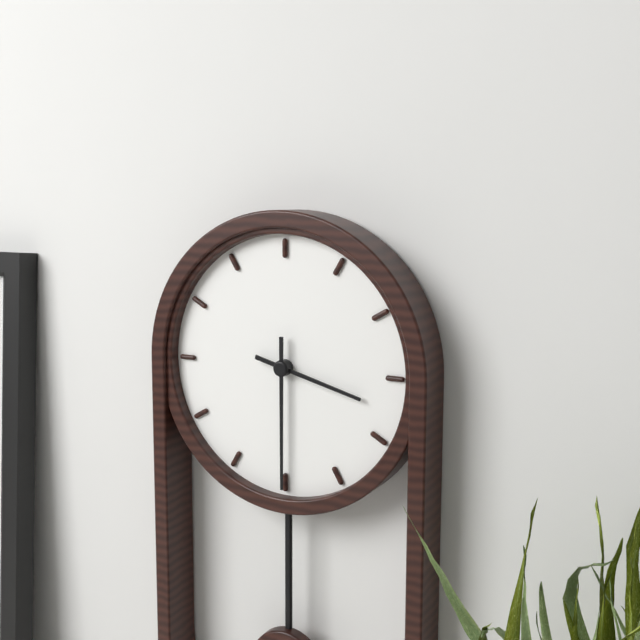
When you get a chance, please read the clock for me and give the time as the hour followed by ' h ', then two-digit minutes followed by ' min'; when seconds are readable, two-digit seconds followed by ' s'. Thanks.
3 h 30 min
